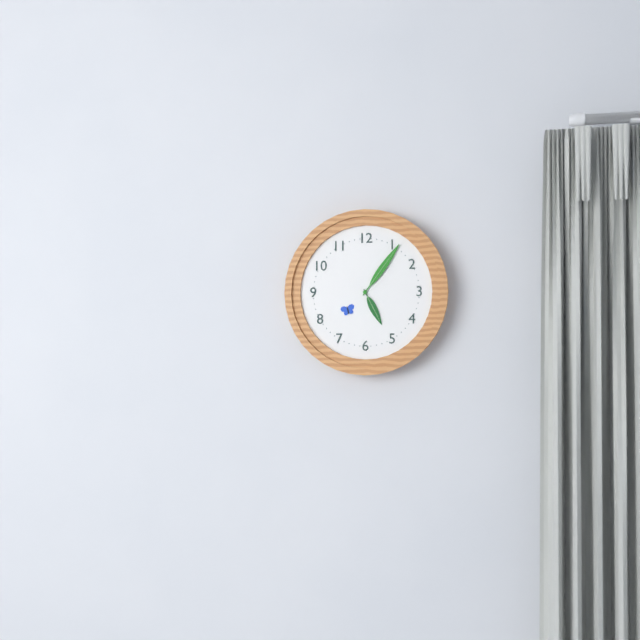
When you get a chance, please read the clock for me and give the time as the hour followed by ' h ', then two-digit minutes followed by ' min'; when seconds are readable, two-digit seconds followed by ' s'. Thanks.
5 h 06 min
